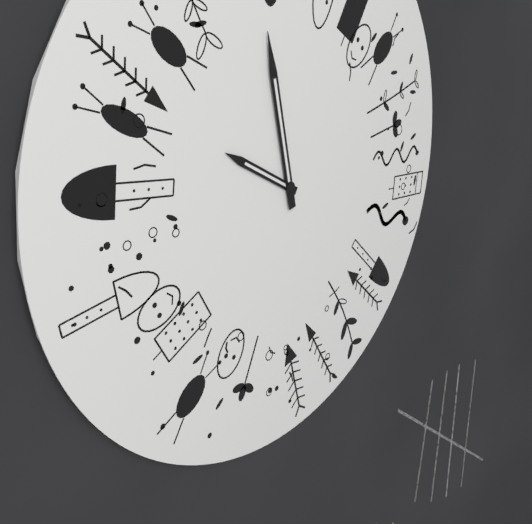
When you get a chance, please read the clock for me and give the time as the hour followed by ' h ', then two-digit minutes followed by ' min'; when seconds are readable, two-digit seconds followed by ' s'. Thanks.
9 h 58 min
